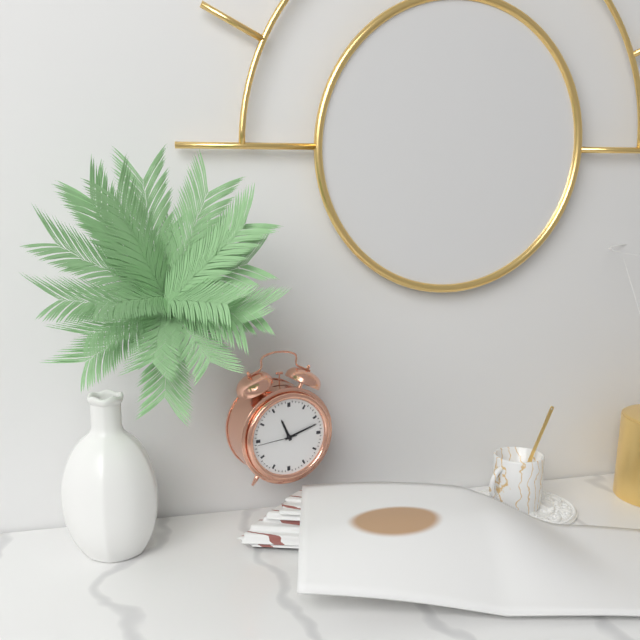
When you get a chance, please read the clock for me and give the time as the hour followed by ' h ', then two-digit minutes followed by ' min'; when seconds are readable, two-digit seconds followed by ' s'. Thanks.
11 h 12 min
